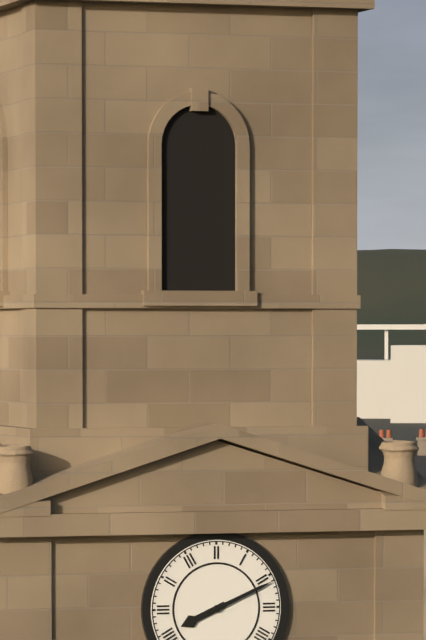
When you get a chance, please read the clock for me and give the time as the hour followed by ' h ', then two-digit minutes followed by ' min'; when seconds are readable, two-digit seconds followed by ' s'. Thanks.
8 h 11 min
